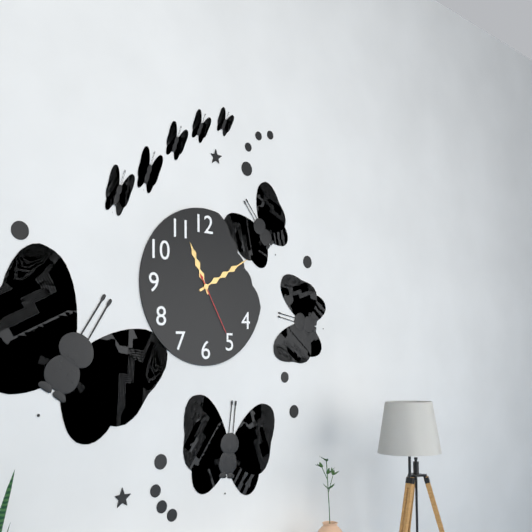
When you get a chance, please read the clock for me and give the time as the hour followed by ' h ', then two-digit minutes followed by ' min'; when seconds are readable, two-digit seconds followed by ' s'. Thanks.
11 h 10 min 25 s
